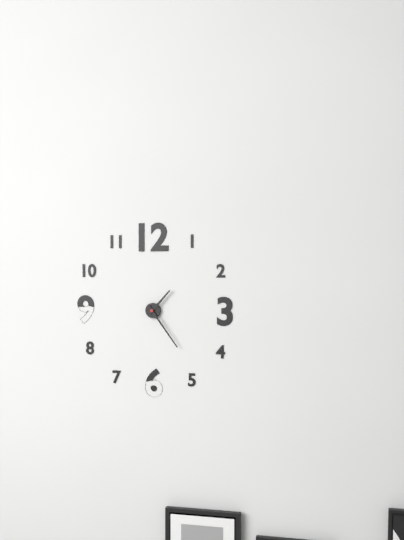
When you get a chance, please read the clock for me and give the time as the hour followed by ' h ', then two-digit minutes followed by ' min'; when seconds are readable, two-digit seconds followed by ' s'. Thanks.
1 h 24 min
